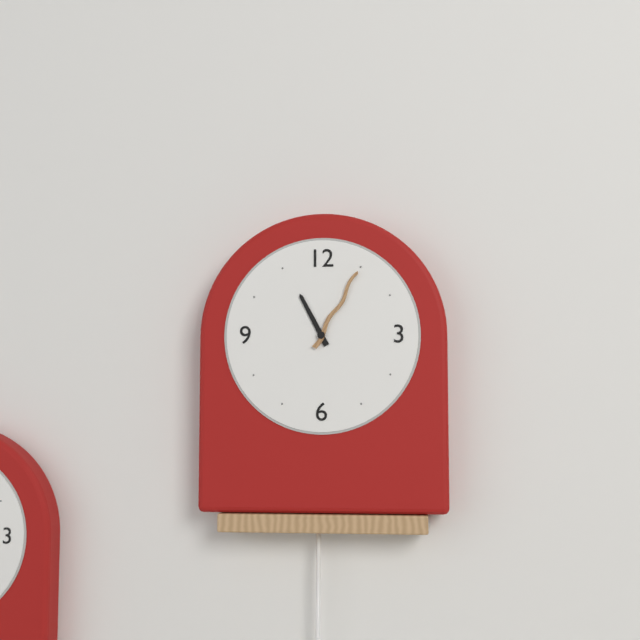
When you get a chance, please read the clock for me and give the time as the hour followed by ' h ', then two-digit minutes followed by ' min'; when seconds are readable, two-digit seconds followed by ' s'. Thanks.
11 h 05 min
